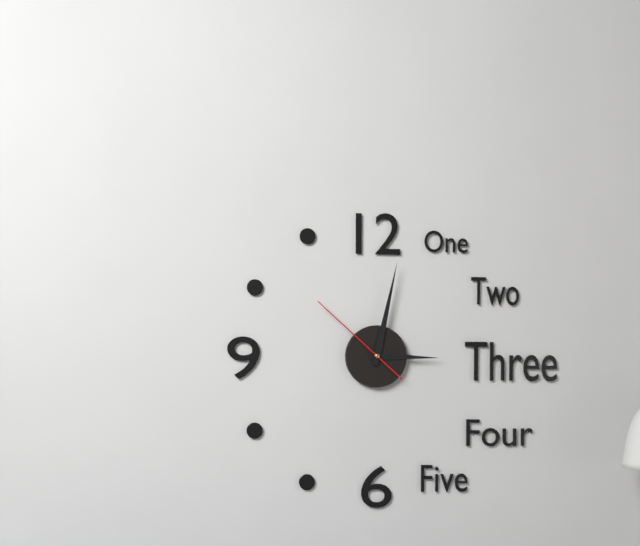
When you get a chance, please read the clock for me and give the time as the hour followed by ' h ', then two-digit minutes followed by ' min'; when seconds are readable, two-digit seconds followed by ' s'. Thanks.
3 h 02 min 52 s
